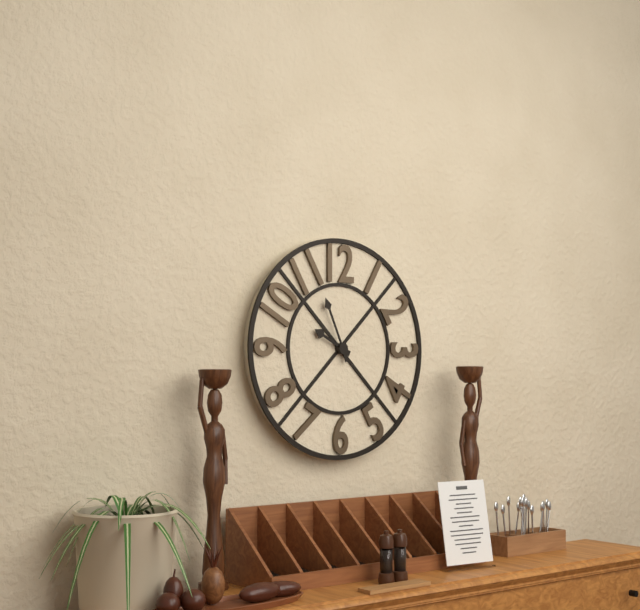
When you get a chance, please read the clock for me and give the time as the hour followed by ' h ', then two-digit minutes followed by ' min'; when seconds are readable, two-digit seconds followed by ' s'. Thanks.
9 h 56 min
